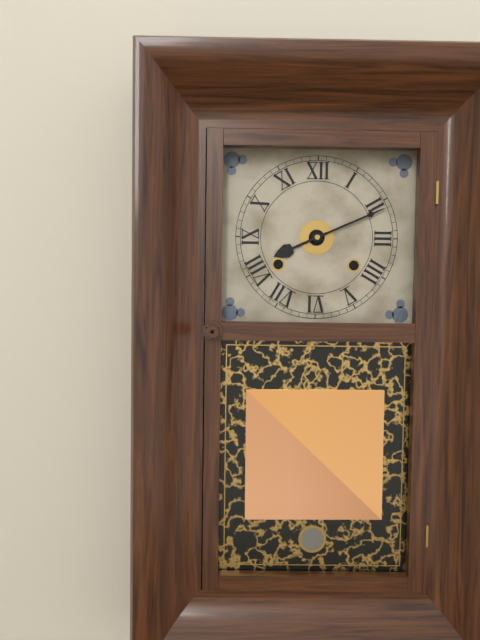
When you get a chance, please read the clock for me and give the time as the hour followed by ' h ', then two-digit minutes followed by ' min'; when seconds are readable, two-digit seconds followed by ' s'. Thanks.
8 h 11 min
